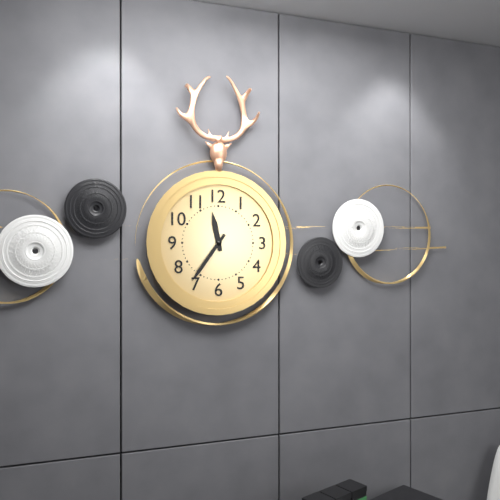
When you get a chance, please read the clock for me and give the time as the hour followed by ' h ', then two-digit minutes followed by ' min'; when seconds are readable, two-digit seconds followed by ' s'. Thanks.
11 h 36 min
